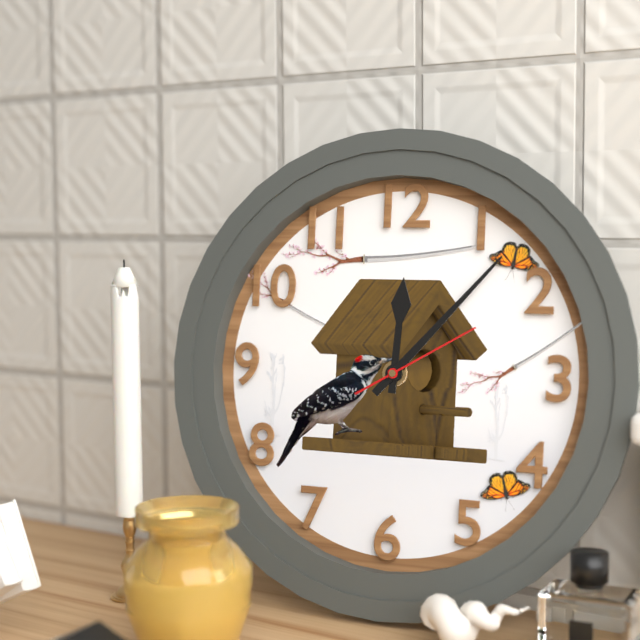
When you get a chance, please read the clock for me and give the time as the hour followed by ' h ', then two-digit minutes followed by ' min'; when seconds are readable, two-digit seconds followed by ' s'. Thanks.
12 h 07 min 10 s
